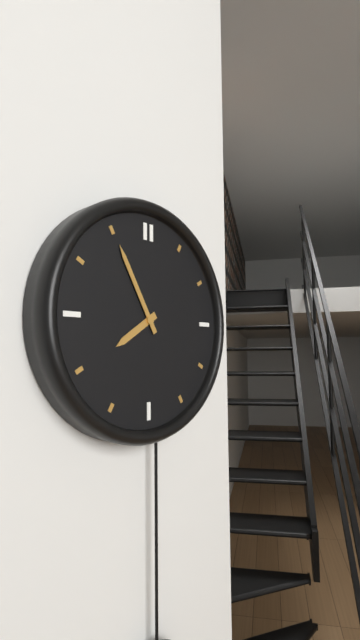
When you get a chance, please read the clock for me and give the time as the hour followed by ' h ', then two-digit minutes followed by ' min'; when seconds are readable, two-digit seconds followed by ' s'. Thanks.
7 h 55 min
